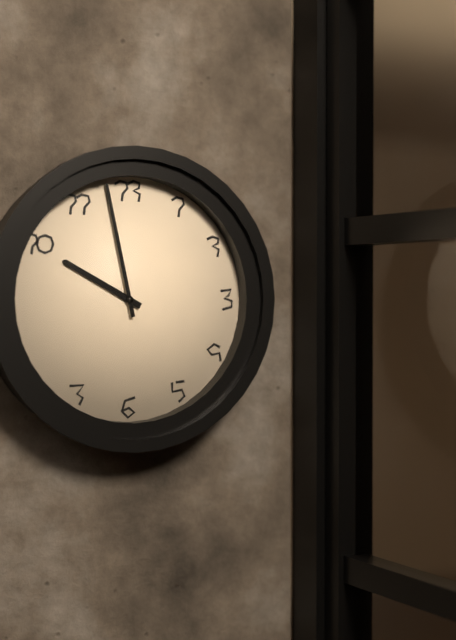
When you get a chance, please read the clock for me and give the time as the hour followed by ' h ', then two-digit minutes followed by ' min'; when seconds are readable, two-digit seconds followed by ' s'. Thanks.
9 h 58 min
